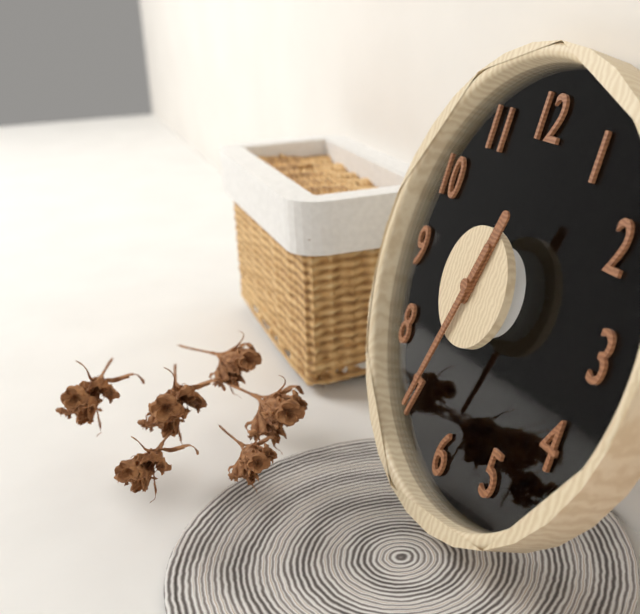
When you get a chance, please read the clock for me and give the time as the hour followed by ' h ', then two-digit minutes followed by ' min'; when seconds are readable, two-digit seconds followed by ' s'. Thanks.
12 h 33 min
